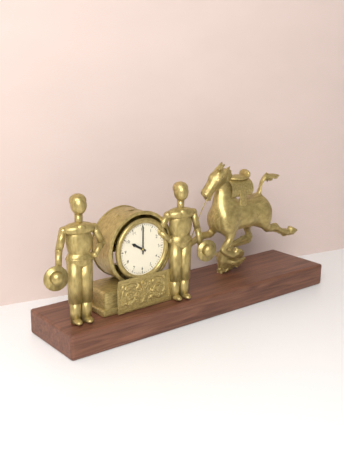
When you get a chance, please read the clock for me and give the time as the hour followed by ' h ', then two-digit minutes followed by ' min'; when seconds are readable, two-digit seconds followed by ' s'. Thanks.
10 h 00 min
